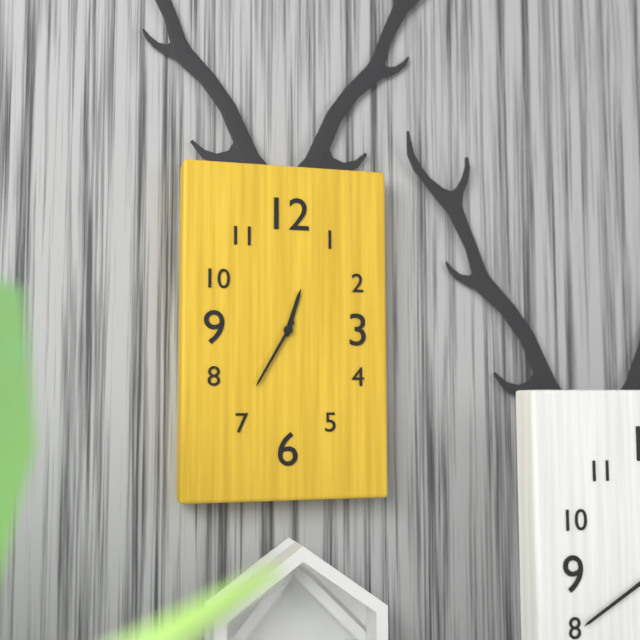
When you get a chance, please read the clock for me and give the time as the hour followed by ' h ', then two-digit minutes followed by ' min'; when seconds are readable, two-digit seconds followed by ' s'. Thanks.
12 h 35 min
